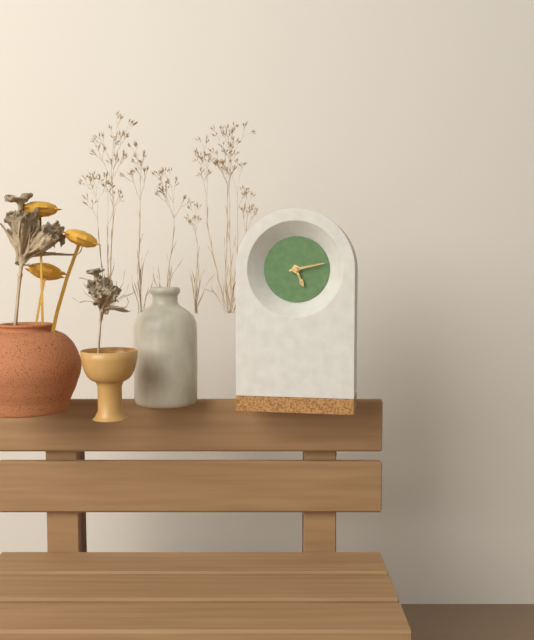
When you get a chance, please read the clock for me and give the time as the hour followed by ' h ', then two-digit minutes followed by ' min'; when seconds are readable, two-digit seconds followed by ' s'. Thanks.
5 h 13 min
